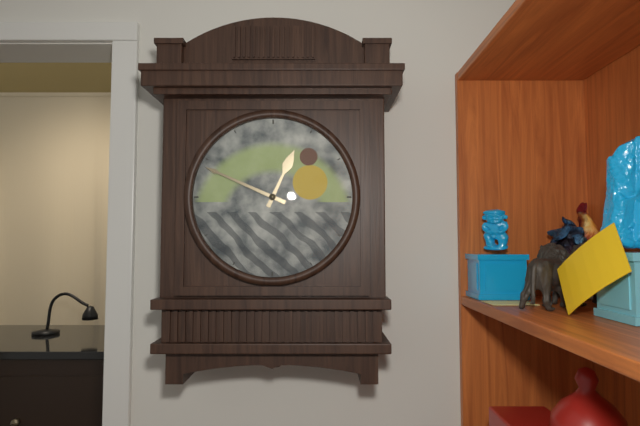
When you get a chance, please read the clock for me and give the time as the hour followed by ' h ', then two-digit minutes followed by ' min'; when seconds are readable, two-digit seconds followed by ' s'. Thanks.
12 h 49 min
